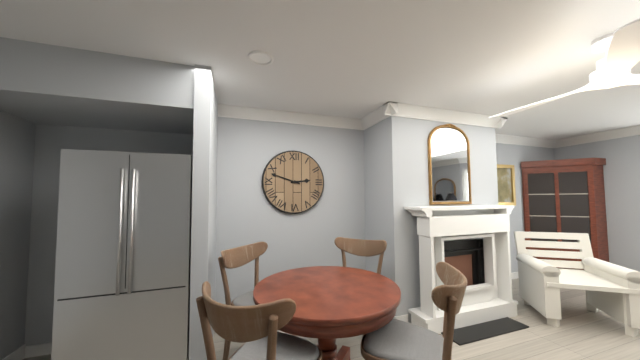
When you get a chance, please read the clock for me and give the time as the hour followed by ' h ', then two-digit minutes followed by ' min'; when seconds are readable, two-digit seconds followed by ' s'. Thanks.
2 h 48 min
